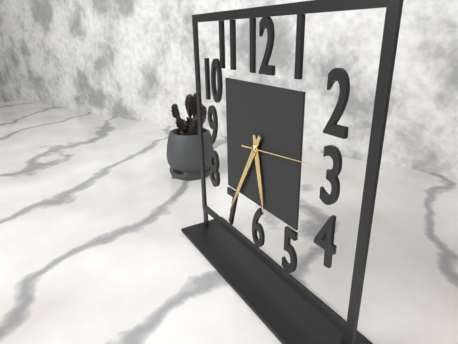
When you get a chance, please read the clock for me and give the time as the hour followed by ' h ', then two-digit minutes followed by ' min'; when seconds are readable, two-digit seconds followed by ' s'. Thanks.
5 h 35 min 14 s
